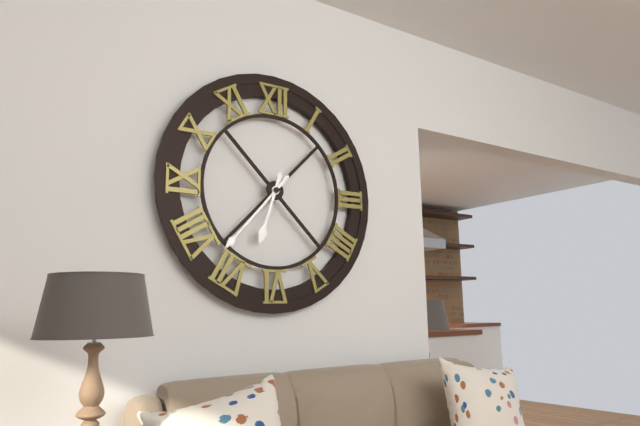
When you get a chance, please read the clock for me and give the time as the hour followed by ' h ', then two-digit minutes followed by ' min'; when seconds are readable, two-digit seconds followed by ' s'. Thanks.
6 h 37 min
